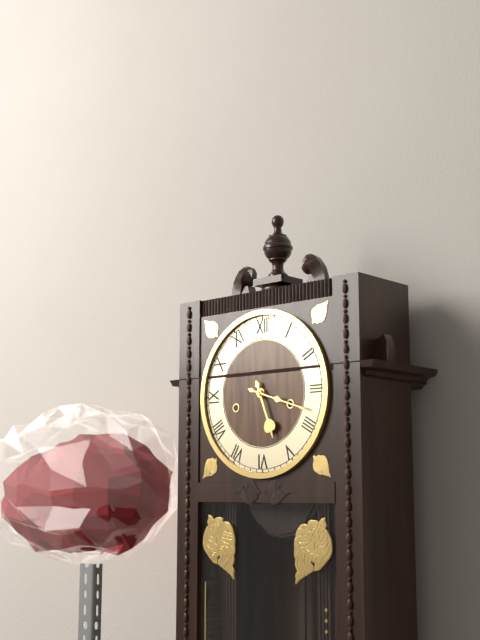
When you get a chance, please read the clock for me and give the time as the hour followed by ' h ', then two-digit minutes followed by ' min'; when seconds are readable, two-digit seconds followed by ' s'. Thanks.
5 h 18 min
